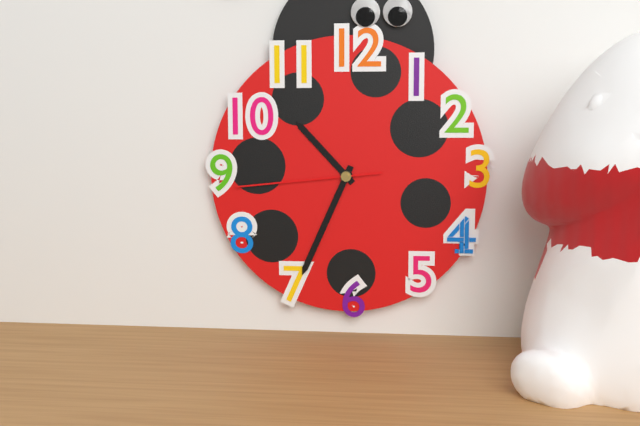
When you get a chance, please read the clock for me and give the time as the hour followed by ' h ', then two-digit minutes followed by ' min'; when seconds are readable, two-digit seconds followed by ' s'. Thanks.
10 h 34 min 44 s
